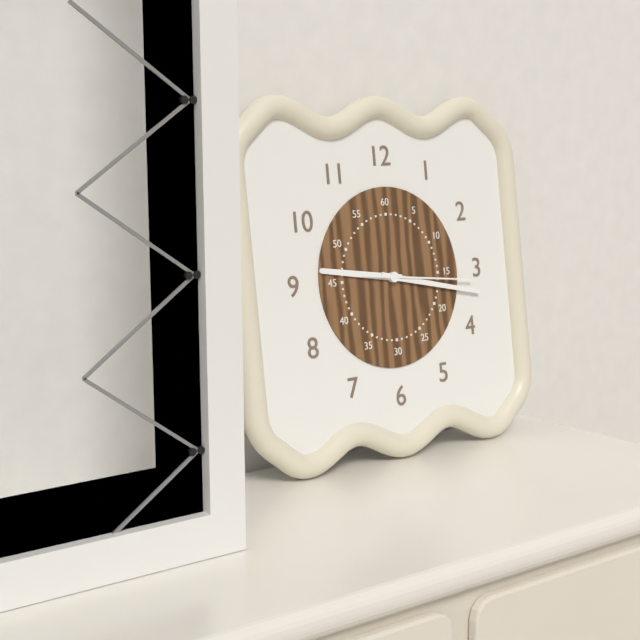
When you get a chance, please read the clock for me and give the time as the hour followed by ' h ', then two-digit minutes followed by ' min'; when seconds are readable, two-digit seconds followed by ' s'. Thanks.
9 h 17 min 16 s
